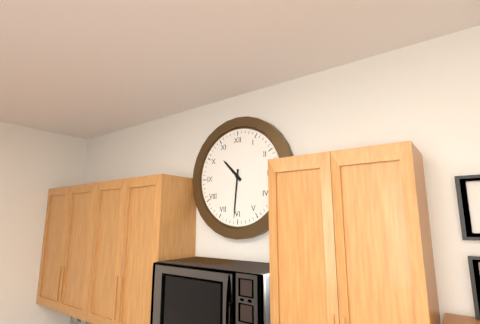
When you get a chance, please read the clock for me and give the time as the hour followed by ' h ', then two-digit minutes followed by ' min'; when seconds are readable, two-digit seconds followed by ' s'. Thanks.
10 h 31 min
